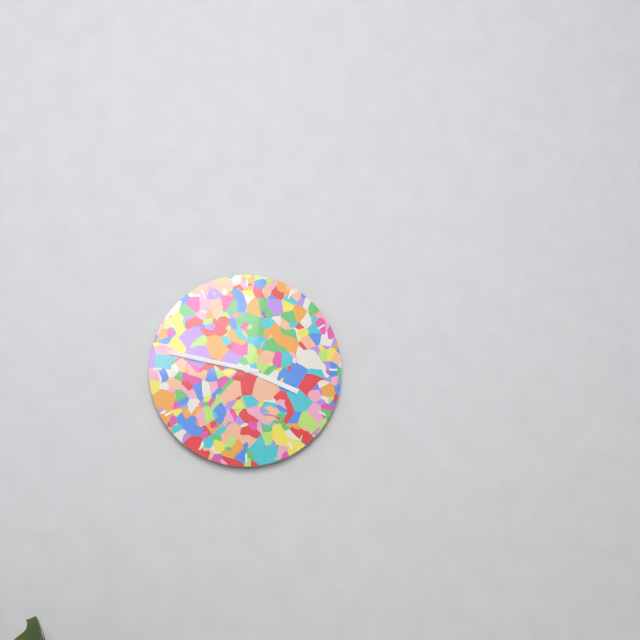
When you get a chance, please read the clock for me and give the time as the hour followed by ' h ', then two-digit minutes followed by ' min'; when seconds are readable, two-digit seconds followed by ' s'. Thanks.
3 h 47 min
